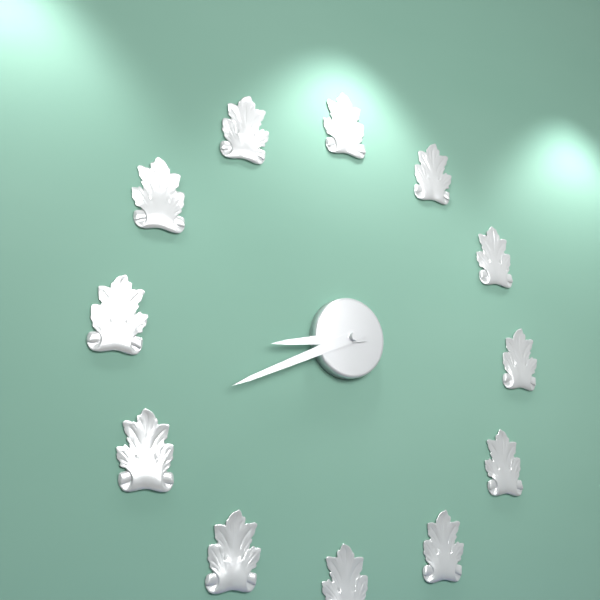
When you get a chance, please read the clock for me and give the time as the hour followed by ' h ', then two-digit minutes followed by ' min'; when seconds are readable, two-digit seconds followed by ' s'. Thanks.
8 h 41 min
